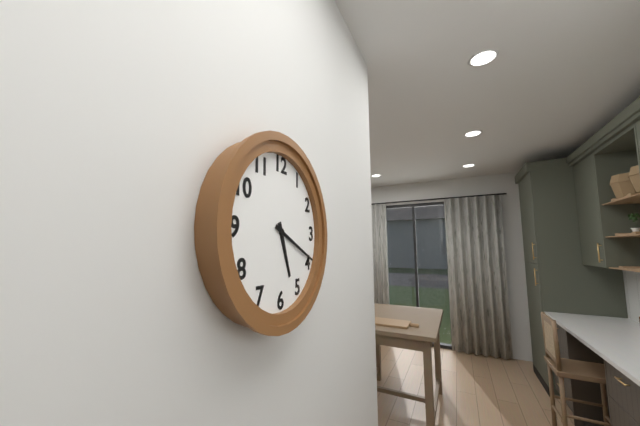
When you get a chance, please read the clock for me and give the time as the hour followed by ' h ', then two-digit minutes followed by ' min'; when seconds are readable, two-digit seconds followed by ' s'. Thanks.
5 h 19 min
